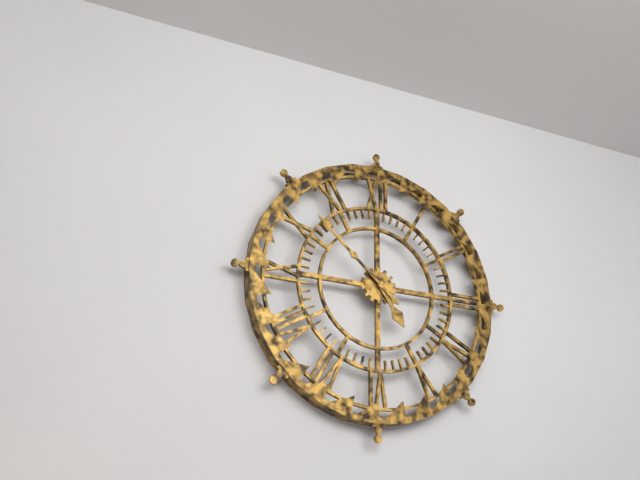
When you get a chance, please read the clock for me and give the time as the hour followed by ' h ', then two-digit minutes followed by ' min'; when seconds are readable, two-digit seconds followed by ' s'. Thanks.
4 h 52 min
